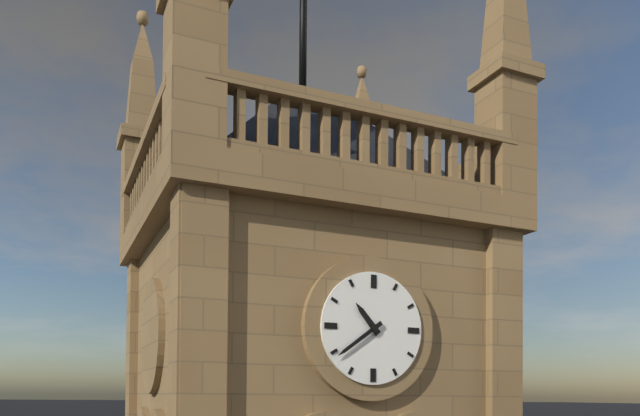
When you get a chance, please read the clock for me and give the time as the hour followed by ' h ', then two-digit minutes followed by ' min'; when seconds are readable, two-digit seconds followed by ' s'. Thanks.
10 h 39 min
